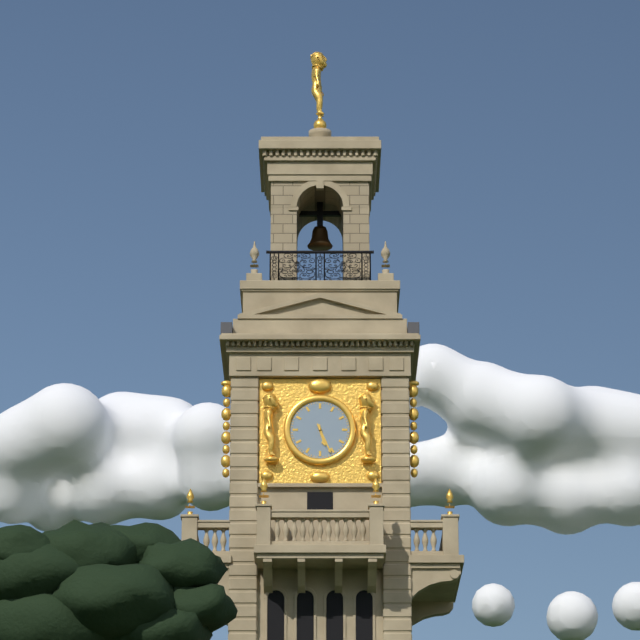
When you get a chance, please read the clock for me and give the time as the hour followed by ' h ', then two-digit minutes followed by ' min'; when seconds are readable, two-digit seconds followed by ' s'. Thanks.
5 h 26 min
